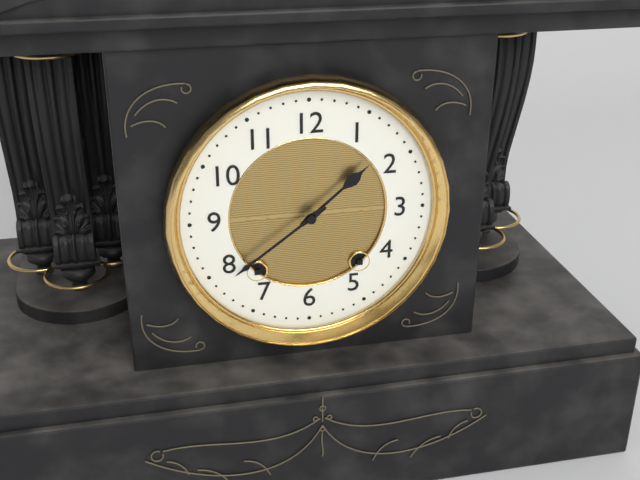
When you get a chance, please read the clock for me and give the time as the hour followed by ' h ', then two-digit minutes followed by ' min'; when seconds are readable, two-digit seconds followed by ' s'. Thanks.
1 h 39 min
